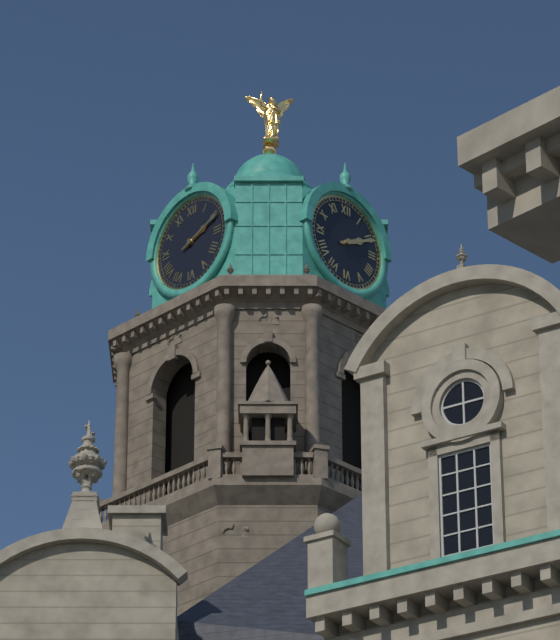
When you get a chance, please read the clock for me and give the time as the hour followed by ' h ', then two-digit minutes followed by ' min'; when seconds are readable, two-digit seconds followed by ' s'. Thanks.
2 h 11 min
